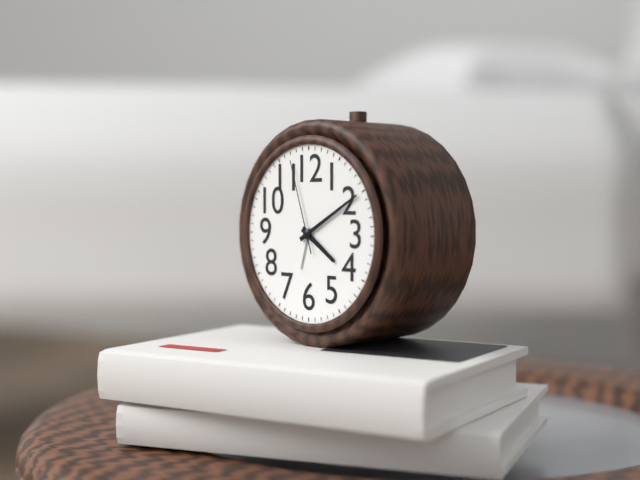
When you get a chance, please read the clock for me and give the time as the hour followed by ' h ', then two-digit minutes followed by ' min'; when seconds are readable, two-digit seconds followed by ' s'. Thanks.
4 h 10 min 57 s
